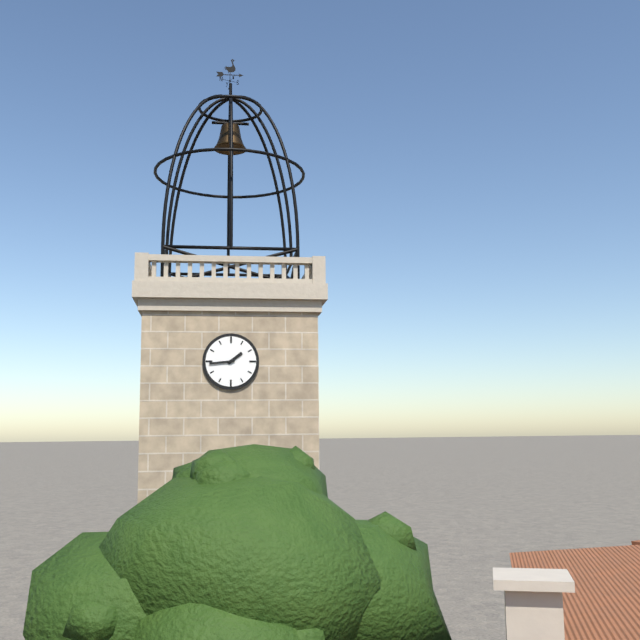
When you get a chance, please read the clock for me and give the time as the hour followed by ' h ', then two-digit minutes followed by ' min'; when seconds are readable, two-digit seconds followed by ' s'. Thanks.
1 h 44 min
